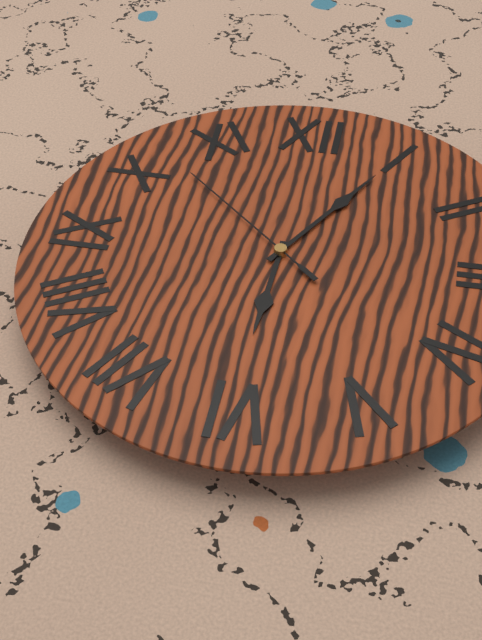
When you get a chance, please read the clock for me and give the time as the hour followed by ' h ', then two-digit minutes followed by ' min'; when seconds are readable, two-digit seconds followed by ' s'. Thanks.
6 h 05 min 52 s
